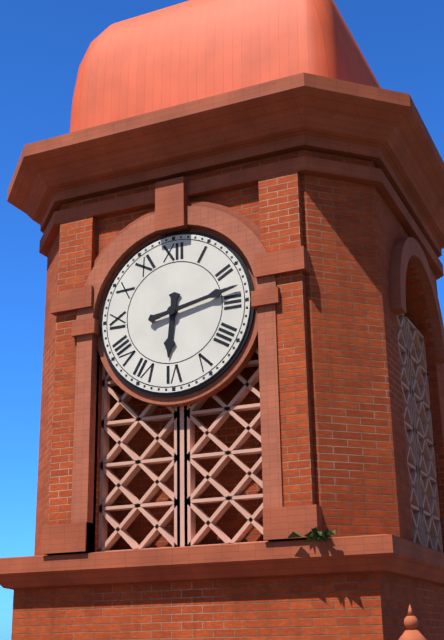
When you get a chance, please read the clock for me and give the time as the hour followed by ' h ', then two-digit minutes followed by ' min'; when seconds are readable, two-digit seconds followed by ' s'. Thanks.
6 h 13 min
